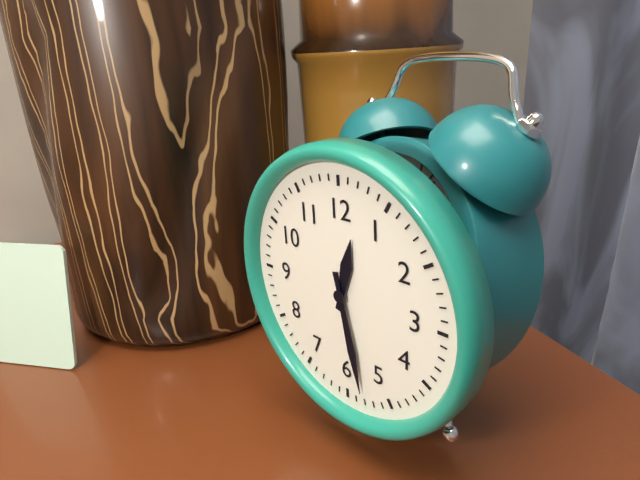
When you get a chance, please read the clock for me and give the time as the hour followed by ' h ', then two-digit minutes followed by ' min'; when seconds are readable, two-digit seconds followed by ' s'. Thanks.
12 h 28 min
